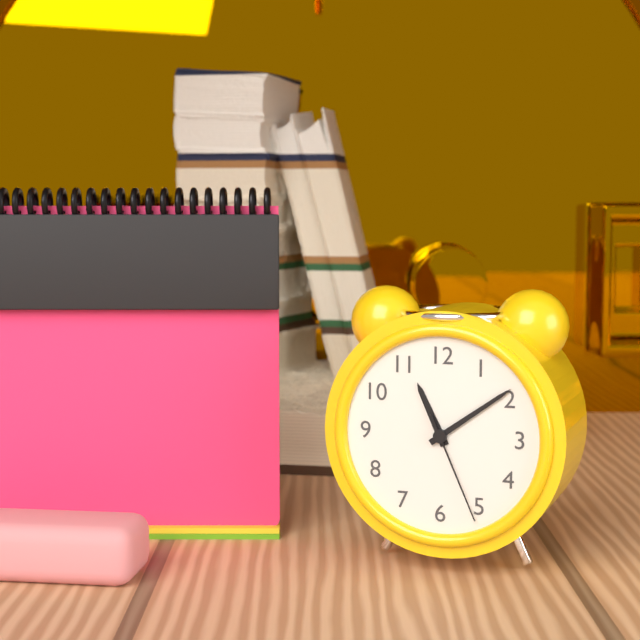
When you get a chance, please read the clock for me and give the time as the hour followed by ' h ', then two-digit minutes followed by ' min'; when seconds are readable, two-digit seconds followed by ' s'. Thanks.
11 h 09 min 26 s
